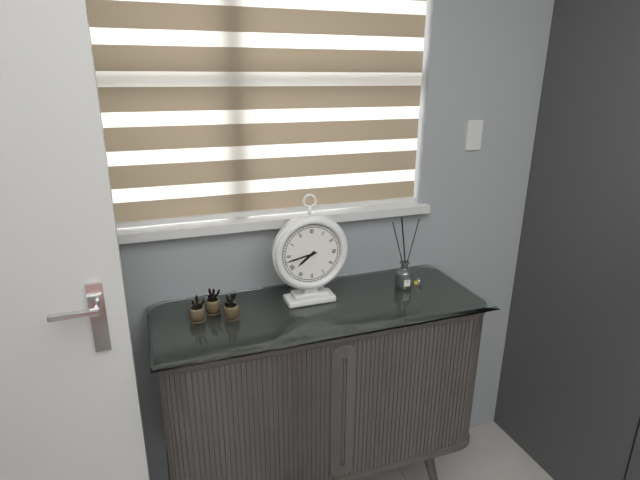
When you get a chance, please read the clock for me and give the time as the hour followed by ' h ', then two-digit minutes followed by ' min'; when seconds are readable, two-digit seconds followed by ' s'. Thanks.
7 h 43 min
